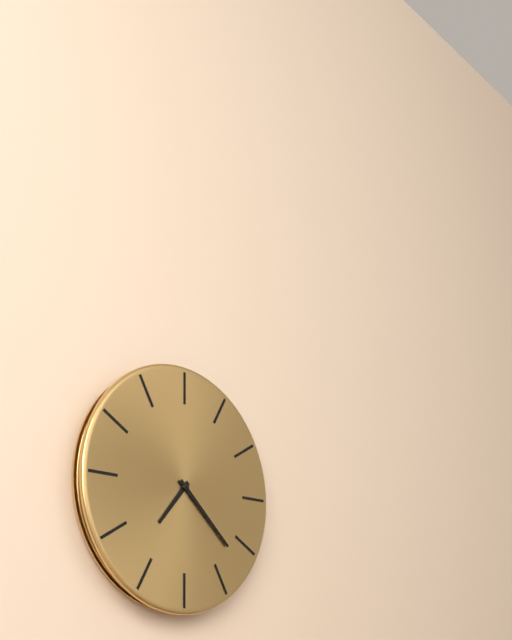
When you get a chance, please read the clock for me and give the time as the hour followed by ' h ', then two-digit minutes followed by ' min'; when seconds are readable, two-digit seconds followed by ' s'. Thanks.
7 h 22 min
